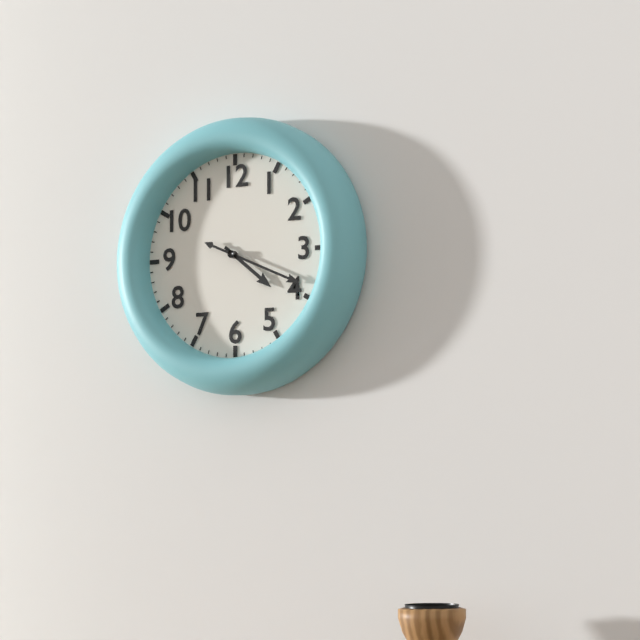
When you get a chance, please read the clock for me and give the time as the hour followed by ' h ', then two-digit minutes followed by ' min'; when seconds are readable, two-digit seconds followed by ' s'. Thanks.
4 h 19 min
